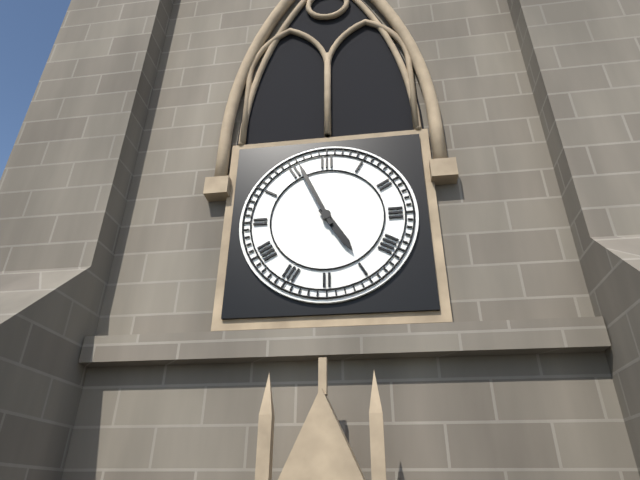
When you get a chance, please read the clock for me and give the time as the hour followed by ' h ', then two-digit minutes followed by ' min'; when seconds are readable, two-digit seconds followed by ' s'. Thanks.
4 h 56 min
